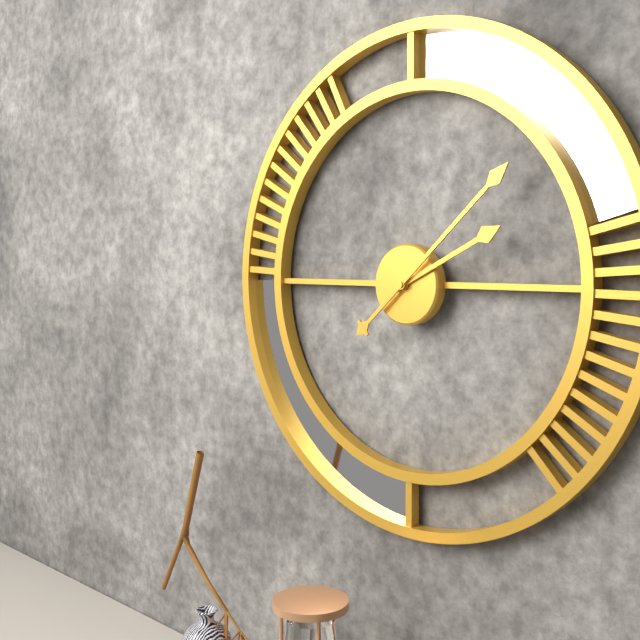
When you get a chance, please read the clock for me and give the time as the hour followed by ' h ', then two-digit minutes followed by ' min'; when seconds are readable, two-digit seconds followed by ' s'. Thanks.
2 h 08 min
